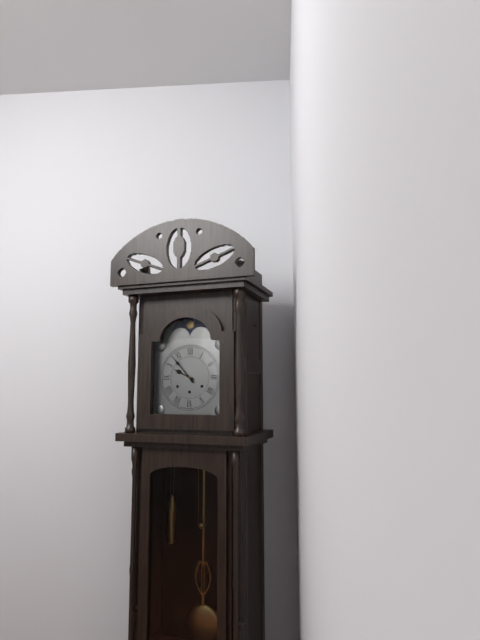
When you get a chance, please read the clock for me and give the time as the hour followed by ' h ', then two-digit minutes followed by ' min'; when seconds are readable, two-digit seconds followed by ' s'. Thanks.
9 h 53 min
